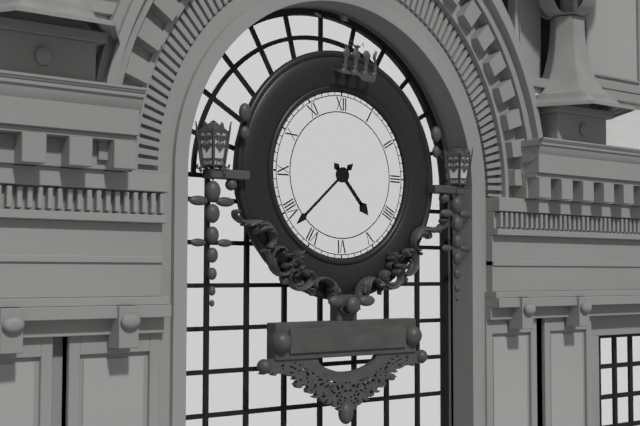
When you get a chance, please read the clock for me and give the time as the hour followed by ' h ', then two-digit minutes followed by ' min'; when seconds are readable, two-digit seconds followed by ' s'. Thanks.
4 h 38 min
